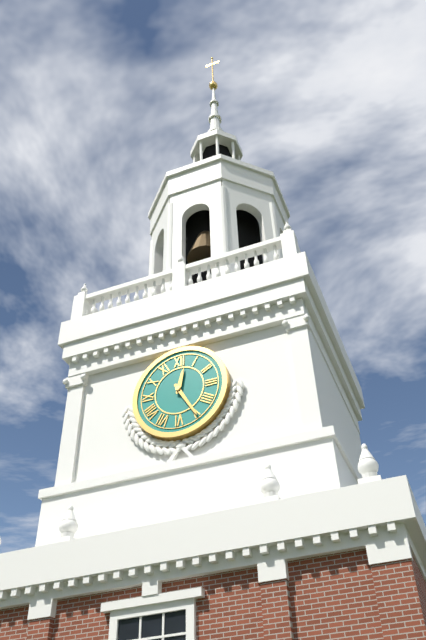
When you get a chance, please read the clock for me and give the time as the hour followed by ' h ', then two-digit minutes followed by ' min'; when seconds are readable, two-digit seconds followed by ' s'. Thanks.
12 h 25 min
